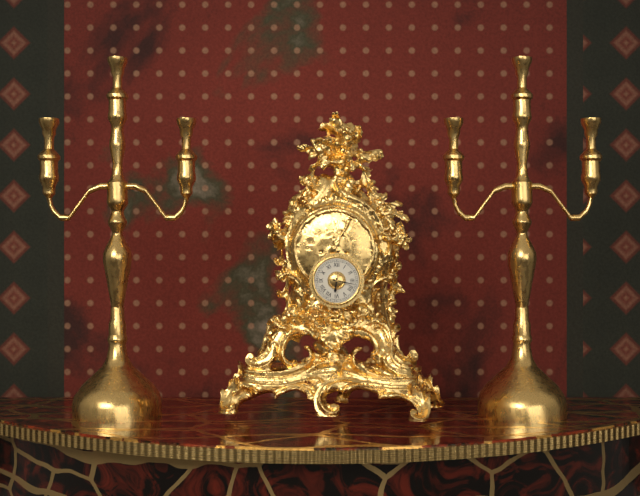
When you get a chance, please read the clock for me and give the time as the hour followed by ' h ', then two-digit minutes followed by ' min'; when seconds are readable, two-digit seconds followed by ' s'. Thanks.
6 h 17 min
